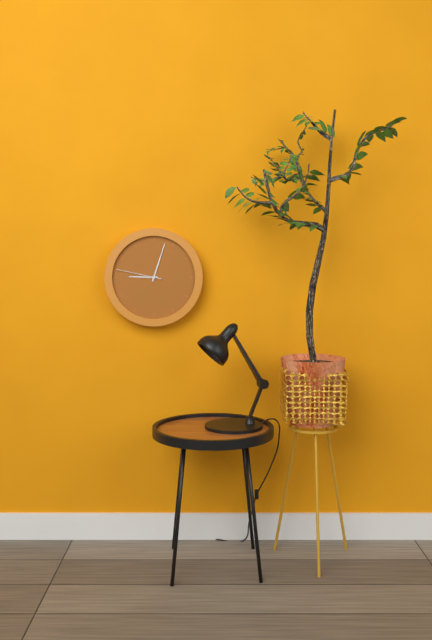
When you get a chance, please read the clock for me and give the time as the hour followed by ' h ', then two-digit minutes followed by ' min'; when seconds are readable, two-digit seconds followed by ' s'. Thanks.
9 h 03 min
